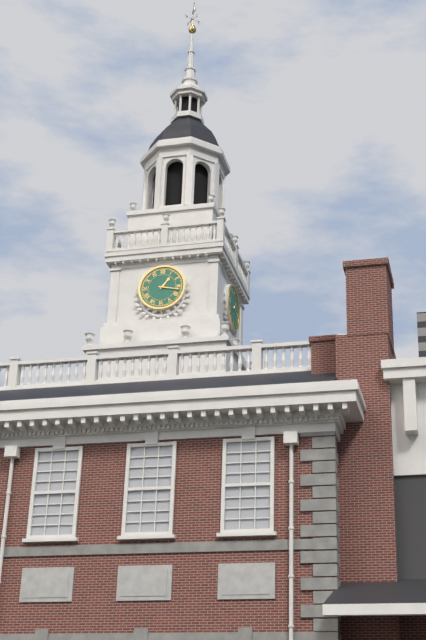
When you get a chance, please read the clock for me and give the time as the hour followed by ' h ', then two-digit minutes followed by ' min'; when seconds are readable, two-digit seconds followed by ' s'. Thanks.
1 h 17 min
